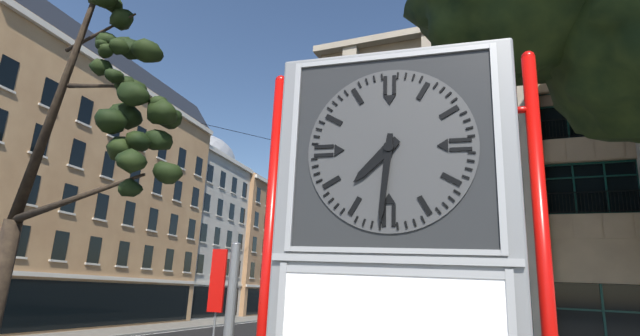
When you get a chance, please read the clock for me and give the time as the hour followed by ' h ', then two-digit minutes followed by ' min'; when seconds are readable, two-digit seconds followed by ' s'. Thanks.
7 h 31 min
